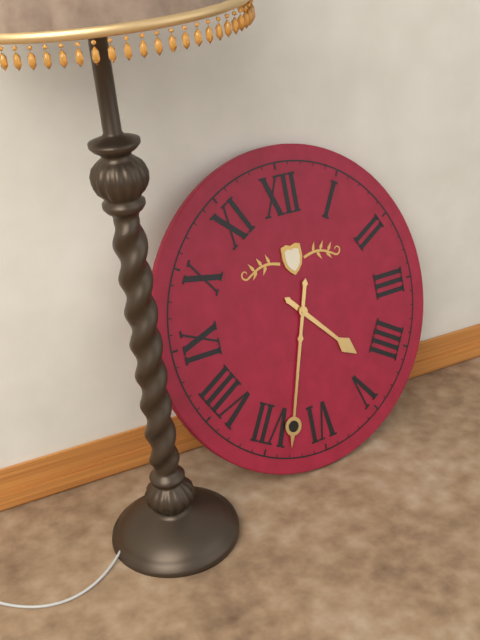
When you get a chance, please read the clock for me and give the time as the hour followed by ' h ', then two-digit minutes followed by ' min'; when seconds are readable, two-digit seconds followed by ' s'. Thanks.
4 h 33 min
